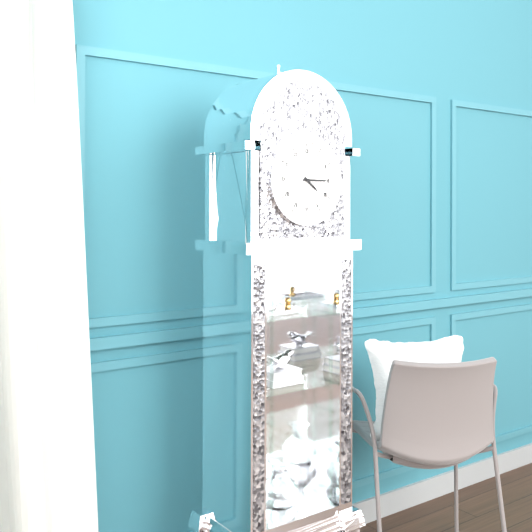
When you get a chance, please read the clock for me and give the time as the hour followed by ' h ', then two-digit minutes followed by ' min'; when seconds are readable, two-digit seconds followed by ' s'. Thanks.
4 h 15 min
